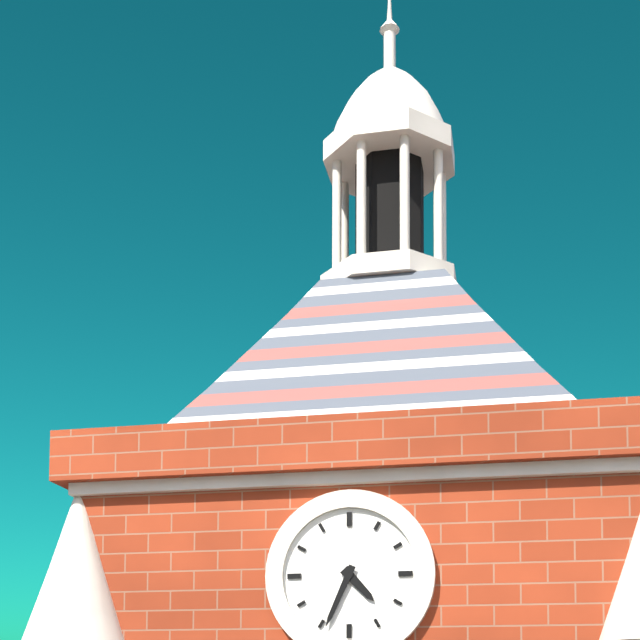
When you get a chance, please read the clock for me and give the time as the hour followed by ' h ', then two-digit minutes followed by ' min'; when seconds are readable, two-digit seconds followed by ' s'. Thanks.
4 h 34 min
